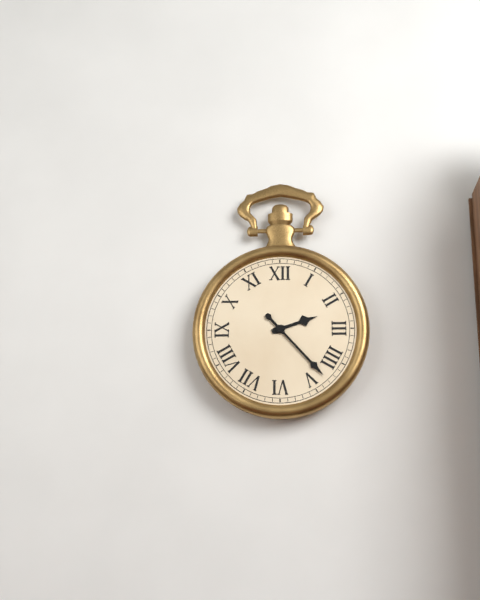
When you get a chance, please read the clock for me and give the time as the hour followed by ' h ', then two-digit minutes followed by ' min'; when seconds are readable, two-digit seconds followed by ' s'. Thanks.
2 h 23 min
